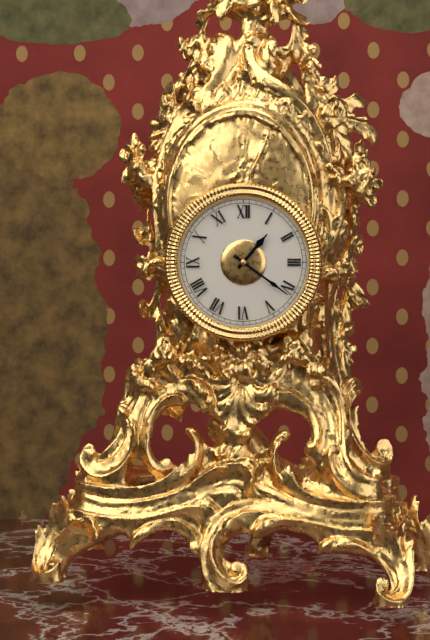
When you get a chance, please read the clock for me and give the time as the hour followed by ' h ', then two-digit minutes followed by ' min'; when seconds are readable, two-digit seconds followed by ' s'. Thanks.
1 h 21 min
